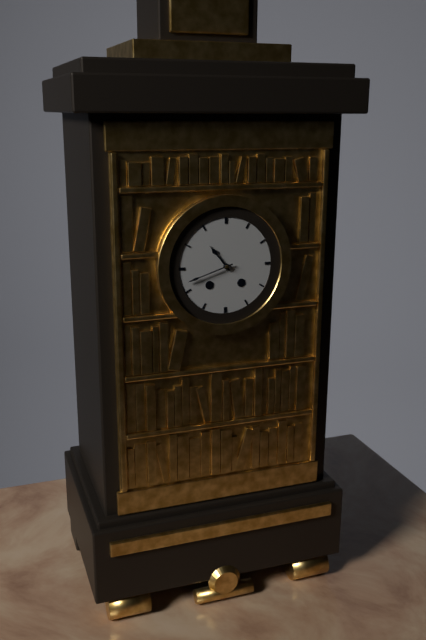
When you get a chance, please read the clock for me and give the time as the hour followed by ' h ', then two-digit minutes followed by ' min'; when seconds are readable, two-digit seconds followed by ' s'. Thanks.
10 h 42 min
